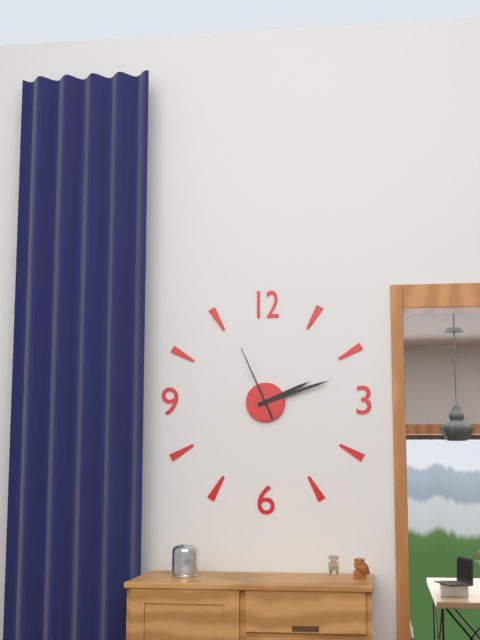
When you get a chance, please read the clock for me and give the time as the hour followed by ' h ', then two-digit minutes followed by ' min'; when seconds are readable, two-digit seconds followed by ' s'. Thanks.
2 h 12 min 56 s
